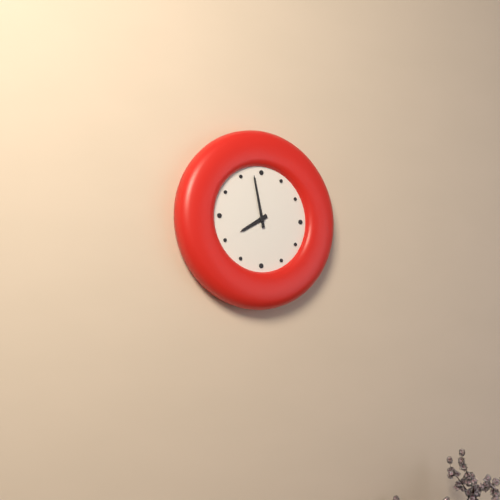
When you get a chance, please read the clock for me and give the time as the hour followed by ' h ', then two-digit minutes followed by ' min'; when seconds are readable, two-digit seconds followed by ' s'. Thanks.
7 h 58 min
